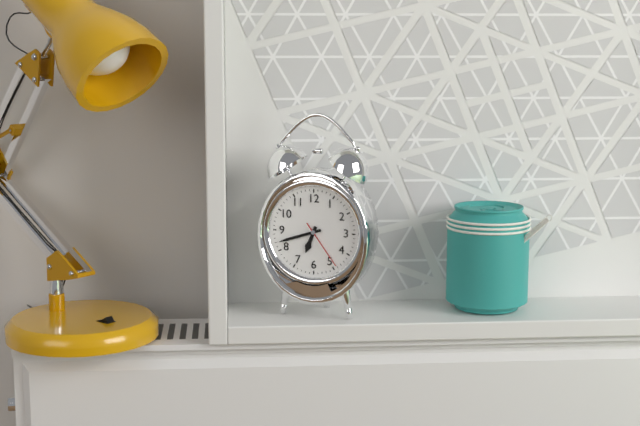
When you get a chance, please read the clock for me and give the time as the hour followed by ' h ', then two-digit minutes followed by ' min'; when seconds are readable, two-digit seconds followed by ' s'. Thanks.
6 h 42 min 24 s
